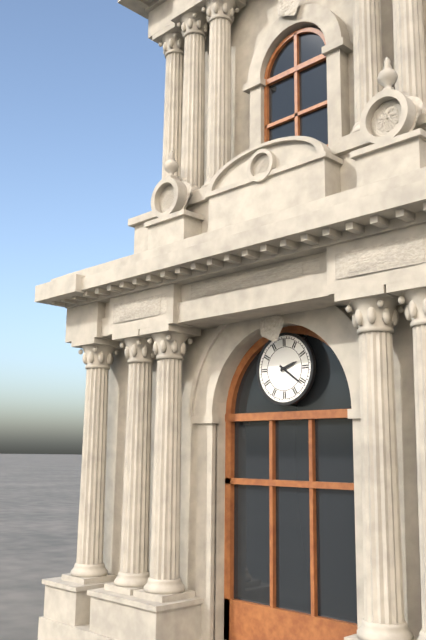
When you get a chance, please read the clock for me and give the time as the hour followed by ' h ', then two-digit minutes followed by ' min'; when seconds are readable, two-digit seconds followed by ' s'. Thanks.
2 h 21 min
